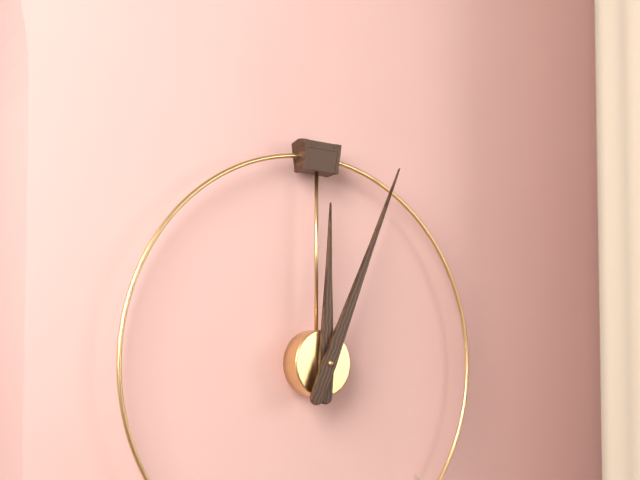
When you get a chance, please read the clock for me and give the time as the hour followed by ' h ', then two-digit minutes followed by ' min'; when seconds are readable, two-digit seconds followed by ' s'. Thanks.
12 h 04 min
